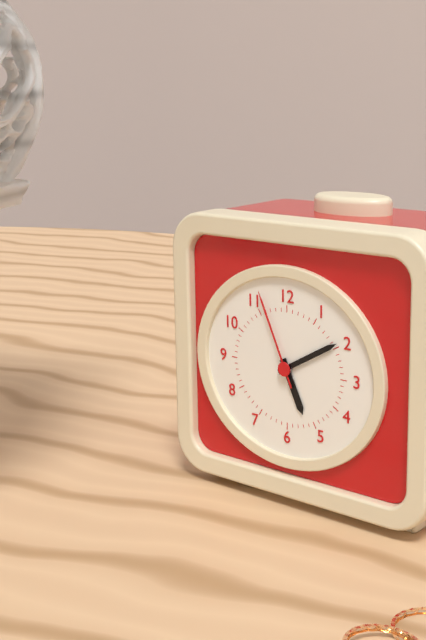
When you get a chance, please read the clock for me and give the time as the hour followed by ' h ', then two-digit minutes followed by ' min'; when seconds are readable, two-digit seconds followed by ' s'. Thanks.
5 h 10 min 56 s
